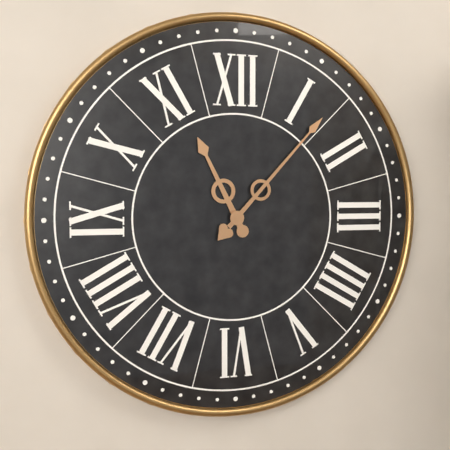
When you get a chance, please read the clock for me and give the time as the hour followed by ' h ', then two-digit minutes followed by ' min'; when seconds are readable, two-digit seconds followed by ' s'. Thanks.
11 h 07 min
